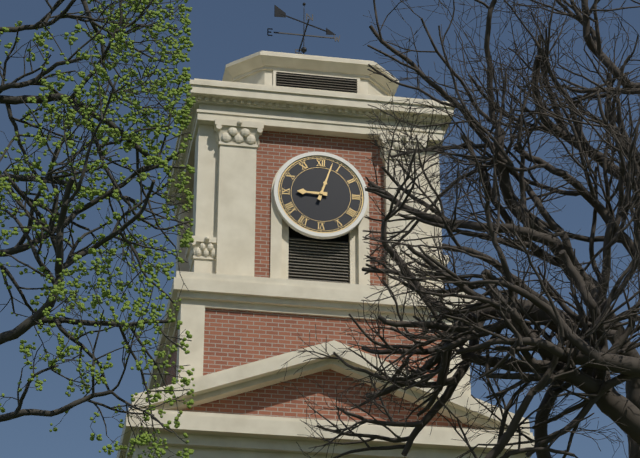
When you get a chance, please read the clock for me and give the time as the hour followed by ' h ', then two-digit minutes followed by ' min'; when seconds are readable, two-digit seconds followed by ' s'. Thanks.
9 h 03 min
